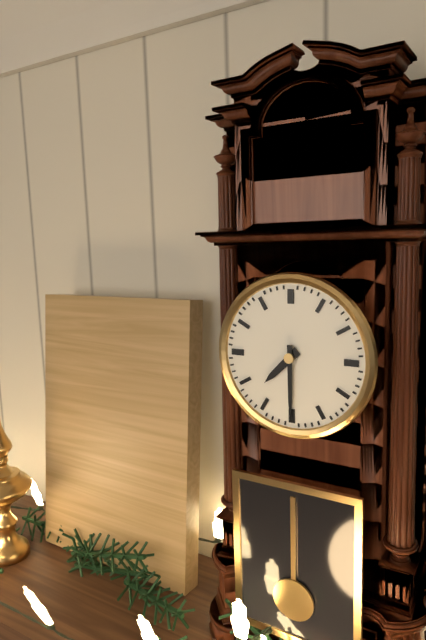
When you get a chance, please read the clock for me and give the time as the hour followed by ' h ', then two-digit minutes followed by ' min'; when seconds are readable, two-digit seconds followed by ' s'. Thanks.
7 h 30 min
